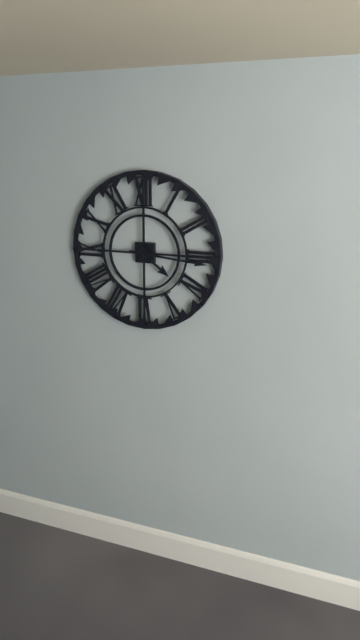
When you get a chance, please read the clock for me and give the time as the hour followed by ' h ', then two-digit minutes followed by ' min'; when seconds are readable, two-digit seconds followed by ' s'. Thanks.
4 h 16 min
